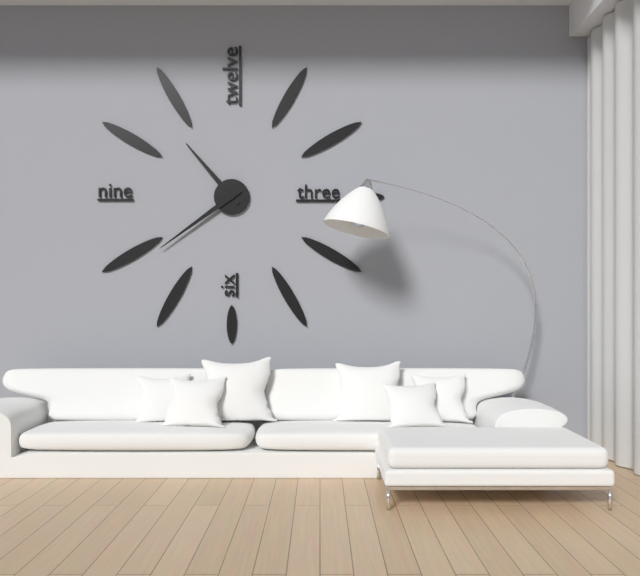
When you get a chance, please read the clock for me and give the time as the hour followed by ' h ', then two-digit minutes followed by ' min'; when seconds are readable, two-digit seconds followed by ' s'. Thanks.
10 h 39 min
